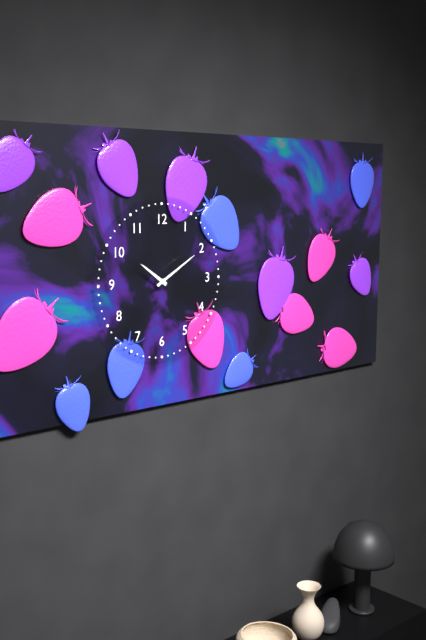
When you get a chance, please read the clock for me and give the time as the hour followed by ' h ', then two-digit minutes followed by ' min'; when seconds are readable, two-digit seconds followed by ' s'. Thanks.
10 h 10 min
